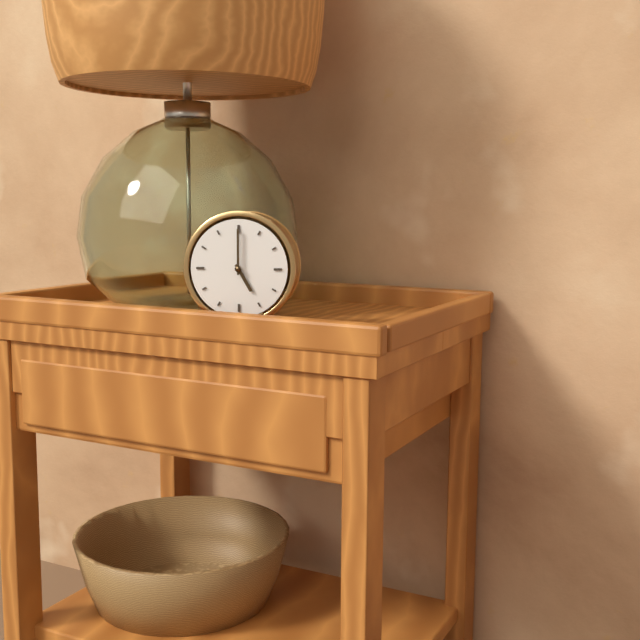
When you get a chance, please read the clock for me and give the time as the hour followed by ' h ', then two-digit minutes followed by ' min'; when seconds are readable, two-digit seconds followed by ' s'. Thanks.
5 h 00 min
